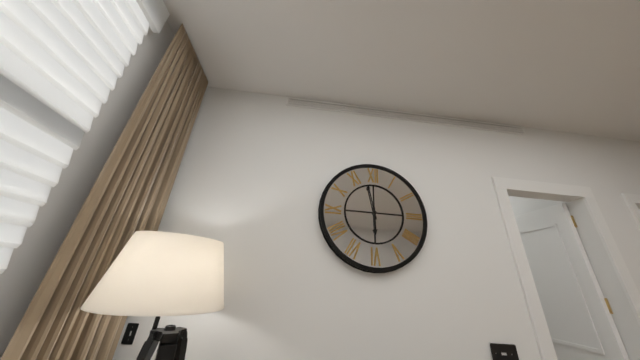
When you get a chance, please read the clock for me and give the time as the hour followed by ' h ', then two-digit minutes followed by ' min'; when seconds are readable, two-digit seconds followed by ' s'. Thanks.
5 h 58 min
